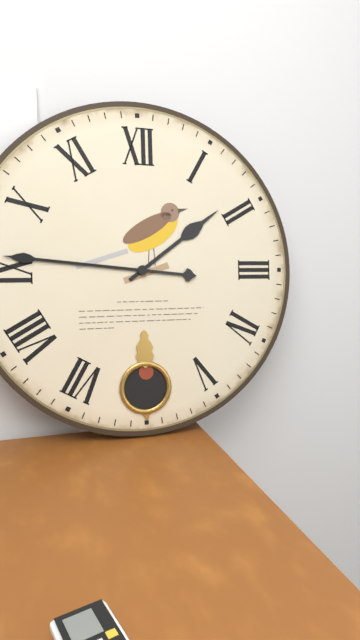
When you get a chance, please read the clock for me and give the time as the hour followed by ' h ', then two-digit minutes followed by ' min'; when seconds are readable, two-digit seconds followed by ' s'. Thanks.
1 h 46 min
